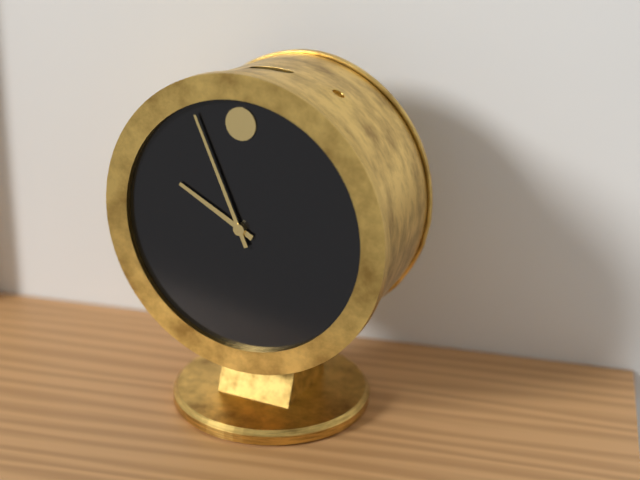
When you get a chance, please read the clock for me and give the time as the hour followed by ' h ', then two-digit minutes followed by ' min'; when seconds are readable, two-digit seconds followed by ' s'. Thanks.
9 h 56 min
